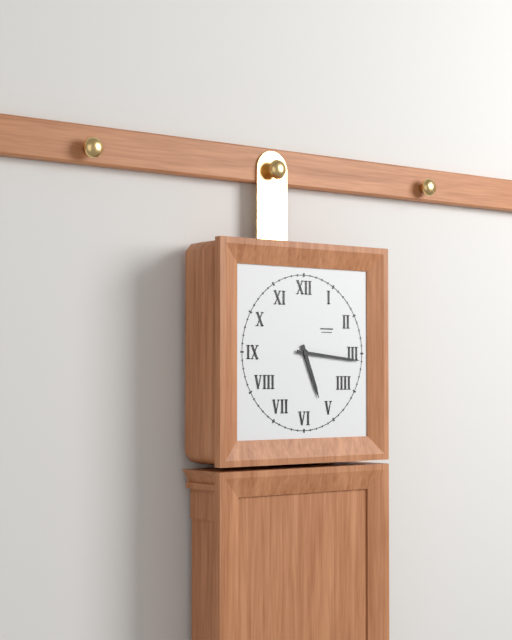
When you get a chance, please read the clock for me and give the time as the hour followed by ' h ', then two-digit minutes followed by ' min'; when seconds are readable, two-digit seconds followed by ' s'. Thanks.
5 h 16 min
